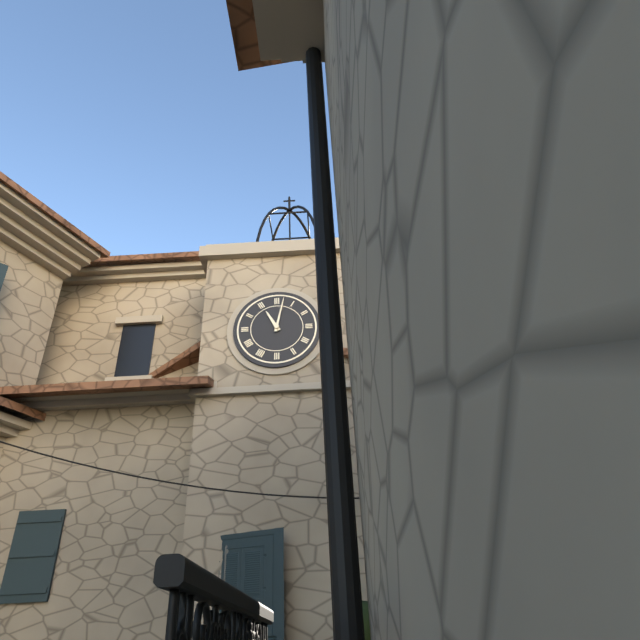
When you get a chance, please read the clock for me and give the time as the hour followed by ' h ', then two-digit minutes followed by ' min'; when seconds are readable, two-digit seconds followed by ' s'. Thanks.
11 h 02 min
